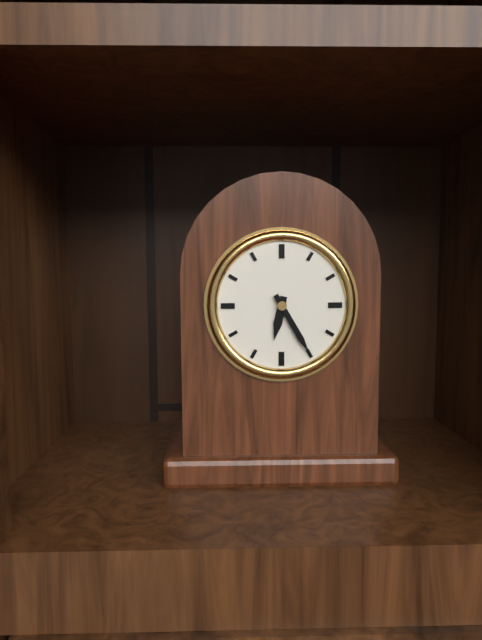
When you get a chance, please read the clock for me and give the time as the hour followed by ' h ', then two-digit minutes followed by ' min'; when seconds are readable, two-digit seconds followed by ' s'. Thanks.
6 h 25 min
